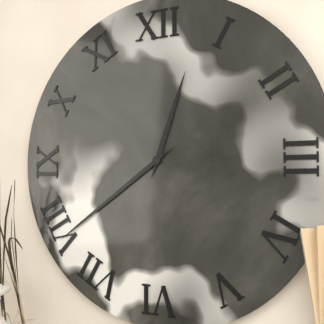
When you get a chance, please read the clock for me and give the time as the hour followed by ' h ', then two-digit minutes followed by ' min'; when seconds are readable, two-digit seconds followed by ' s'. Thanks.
12 h 39 min
